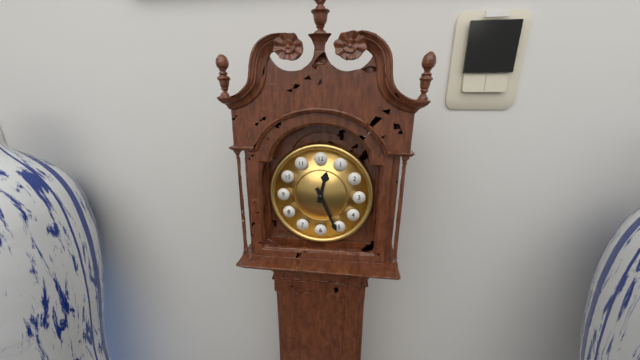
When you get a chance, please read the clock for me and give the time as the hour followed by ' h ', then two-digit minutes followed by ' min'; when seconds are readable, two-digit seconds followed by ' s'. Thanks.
12 h 26 min
